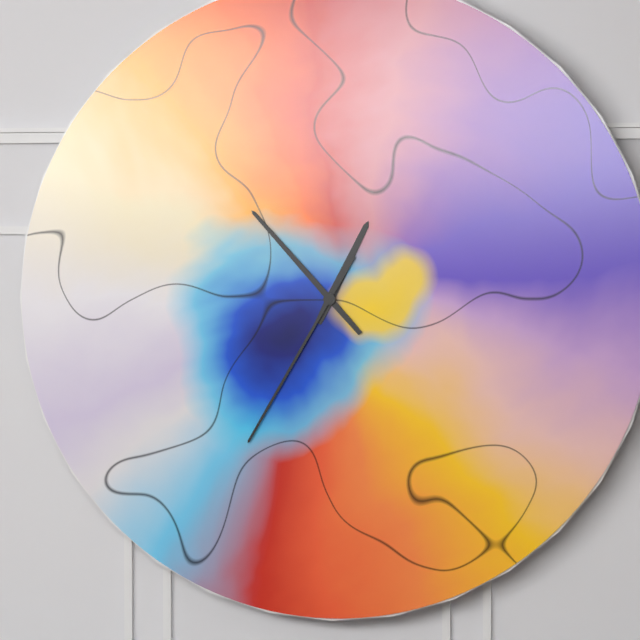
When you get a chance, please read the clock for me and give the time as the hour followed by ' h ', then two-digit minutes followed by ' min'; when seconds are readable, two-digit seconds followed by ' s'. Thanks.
12 h 53 min 35 s
